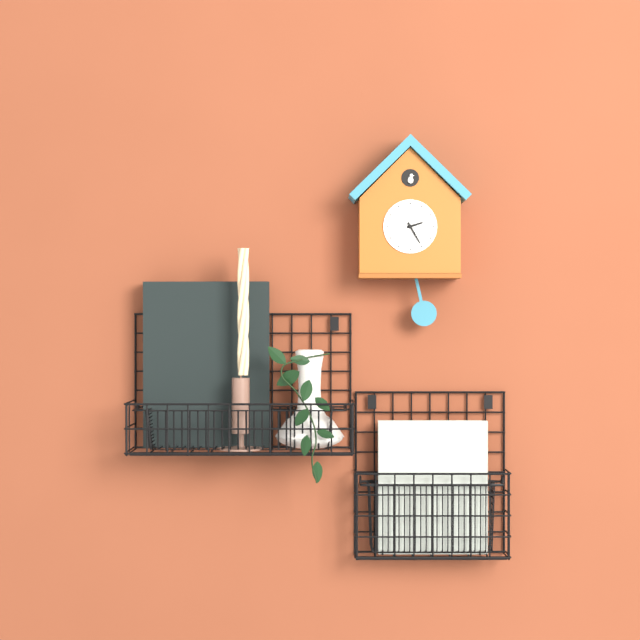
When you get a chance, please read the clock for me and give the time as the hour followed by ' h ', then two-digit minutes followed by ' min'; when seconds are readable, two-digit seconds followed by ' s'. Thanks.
2 h 25 min
